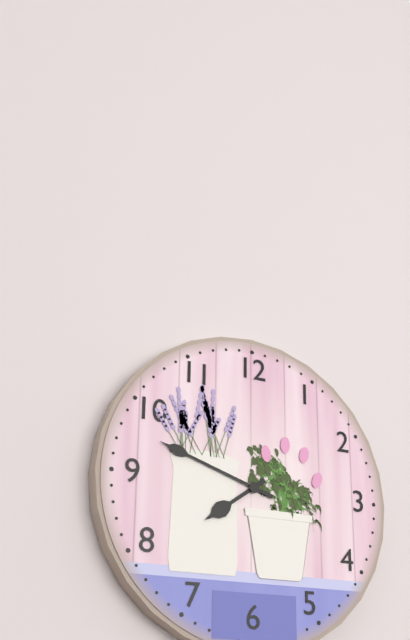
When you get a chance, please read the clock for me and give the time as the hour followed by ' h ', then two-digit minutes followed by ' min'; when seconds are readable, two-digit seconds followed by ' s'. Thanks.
7 h 48 min
